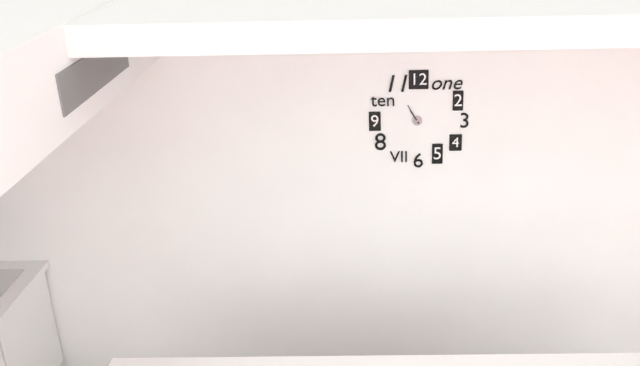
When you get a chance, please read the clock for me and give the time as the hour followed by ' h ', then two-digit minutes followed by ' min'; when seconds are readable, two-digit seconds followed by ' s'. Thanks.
10 h 55 min
